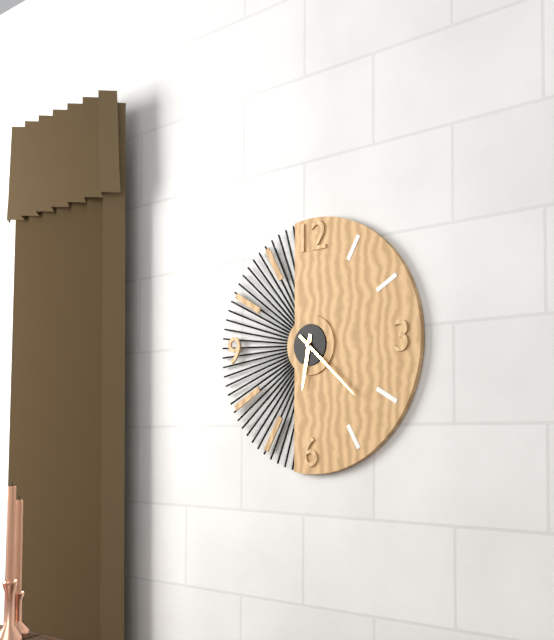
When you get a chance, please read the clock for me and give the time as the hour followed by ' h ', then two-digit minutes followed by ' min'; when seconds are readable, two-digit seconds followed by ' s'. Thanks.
6 h 22 min
